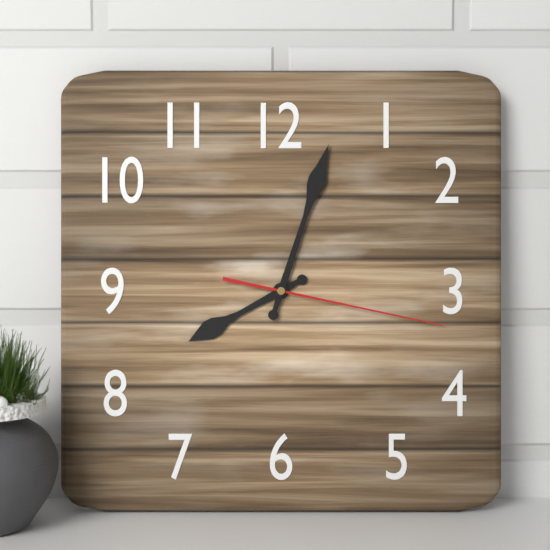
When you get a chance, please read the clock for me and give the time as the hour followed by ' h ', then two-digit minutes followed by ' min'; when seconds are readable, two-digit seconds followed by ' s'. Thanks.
8 h 03 min 17 s
